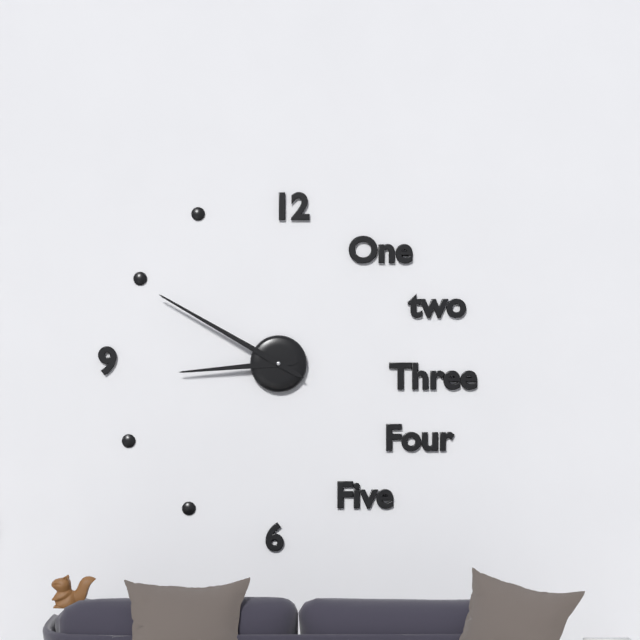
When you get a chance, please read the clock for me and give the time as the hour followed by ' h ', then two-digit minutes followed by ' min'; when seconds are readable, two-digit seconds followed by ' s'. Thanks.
8 h 50 min
